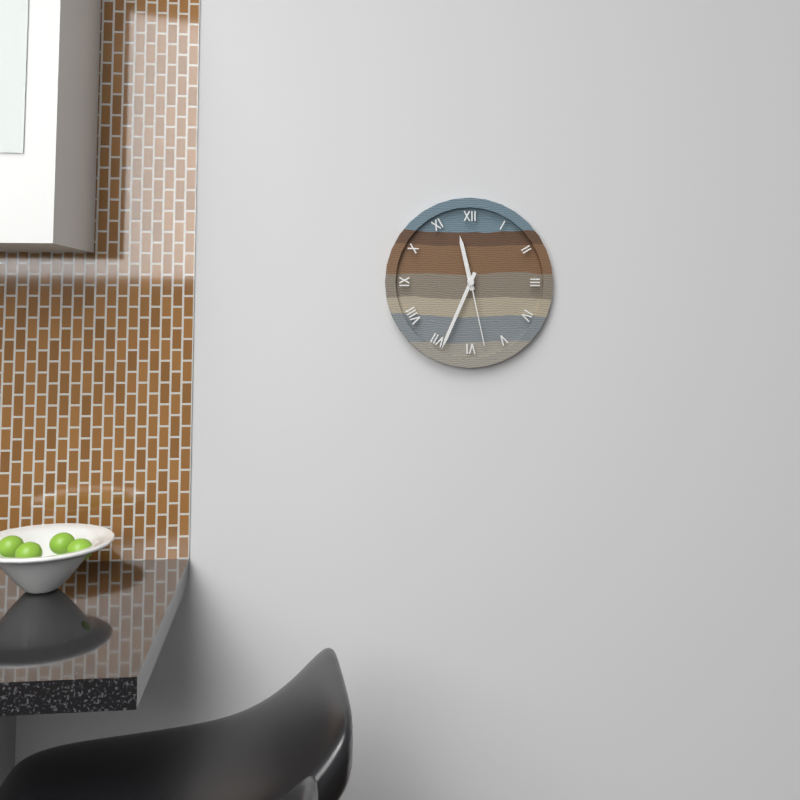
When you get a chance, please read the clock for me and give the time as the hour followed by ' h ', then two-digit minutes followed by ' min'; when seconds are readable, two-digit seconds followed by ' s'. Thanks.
11 h 34 min 28 s
